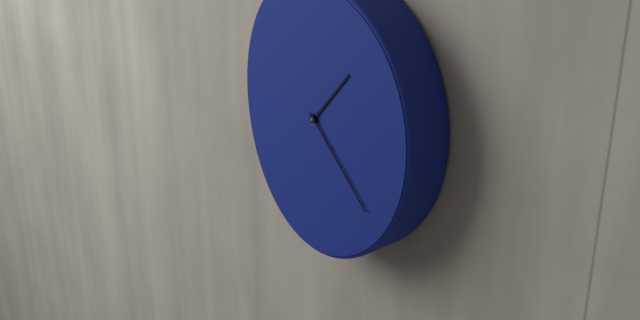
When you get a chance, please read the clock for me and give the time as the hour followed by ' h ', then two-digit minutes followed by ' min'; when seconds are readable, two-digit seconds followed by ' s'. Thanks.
1 h 22 min
